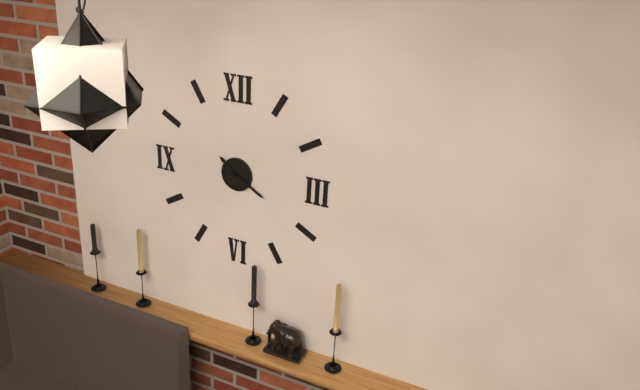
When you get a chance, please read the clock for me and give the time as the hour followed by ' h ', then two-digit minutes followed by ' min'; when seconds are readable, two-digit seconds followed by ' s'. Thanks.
10 h 20 min
